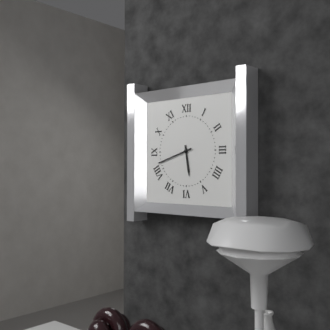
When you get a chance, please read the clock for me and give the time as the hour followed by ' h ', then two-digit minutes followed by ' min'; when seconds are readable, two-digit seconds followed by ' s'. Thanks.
5 h 42 min
